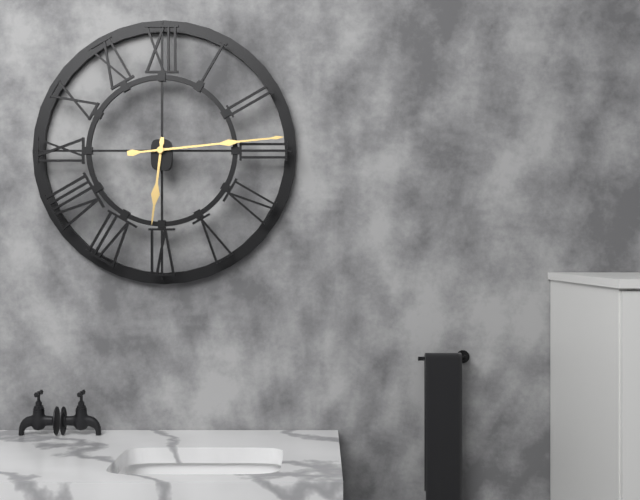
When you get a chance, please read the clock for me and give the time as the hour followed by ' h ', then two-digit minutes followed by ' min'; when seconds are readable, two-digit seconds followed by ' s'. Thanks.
6 h 14 min
